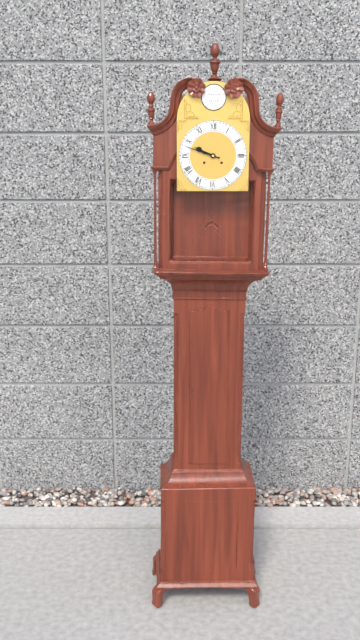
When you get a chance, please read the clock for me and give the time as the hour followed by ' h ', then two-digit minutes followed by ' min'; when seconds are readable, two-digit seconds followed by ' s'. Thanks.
9 h 48 min
